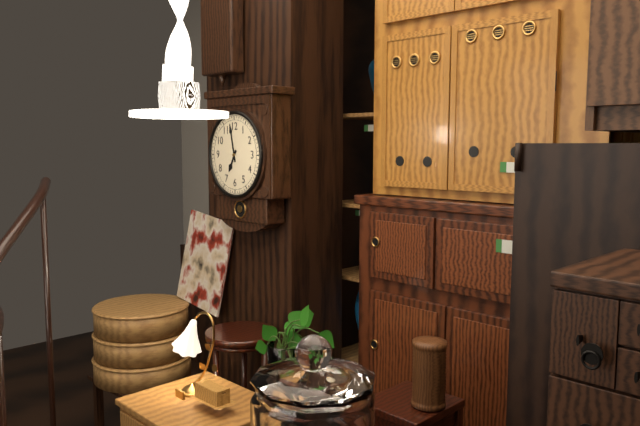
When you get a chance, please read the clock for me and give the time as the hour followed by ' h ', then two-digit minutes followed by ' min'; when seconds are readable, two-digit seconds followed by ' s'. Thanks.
6 h 58 min
